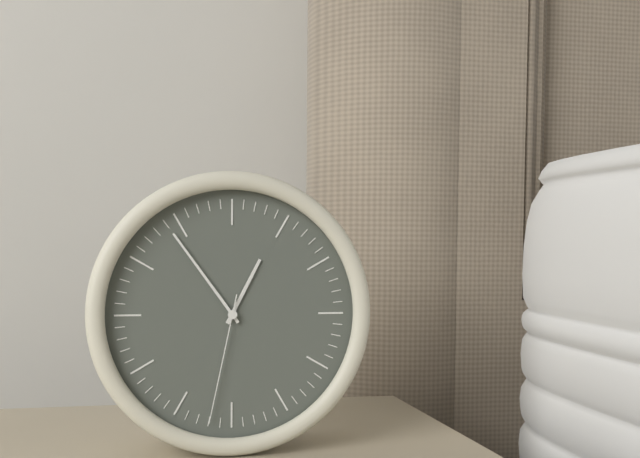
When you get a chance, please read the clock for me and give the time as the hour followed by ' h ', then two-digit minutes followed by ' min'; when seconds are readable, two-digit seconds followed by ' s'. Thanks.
12 h 54 min 32 s
